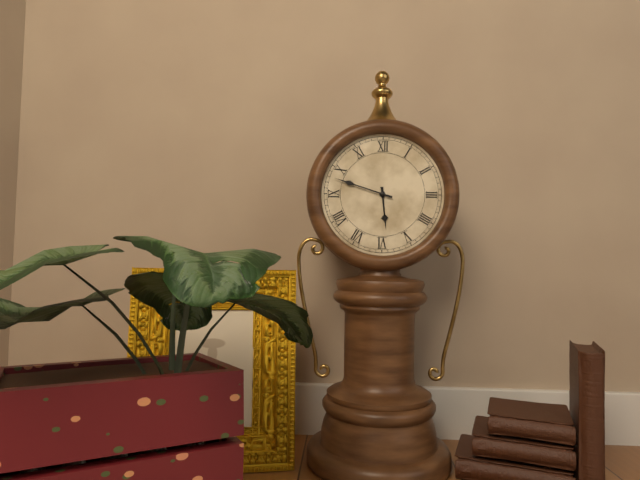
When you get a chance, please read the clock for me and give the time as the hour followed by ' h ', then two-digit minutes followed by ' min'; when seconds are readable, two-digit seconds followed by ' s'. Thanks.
5 h 48 min
